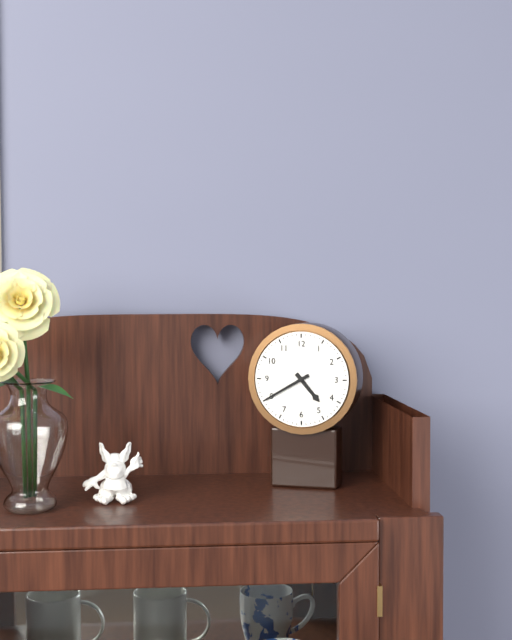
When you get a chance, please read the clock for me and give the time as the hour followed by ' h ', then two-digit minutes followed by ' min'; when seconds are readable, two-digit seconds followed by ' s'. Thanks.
4 h 40 min
